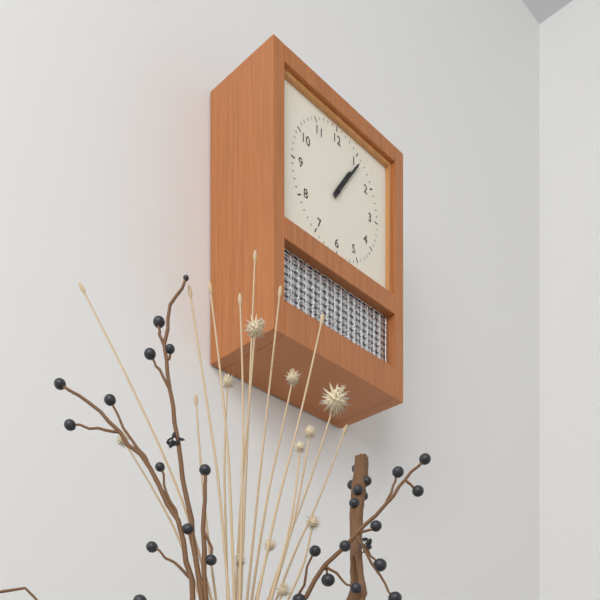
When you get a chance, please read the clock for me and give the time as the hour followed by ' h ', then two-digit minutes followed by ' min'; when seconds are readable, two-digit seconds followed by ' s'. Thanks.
1 h 06 min
